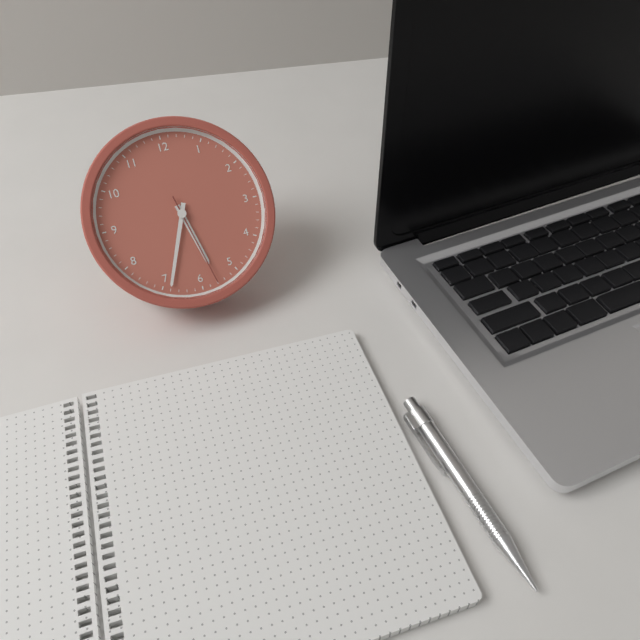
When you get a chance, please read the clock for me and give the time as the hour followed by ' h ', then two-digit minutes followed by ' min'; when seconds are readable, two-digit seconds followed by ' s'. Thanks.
5 h 34 min 28 s
